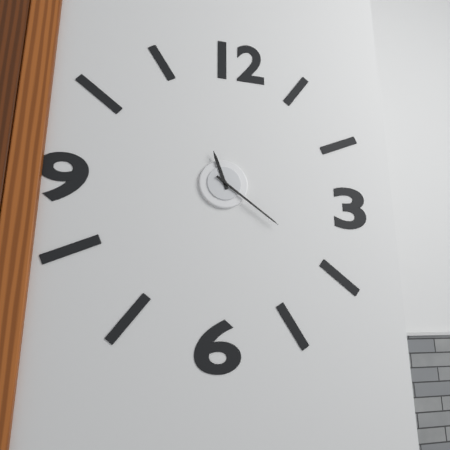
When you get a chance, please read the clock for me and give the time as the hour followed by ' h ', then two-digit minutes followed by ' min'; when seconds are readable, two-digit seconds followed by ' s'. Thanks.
11 h 21 min
